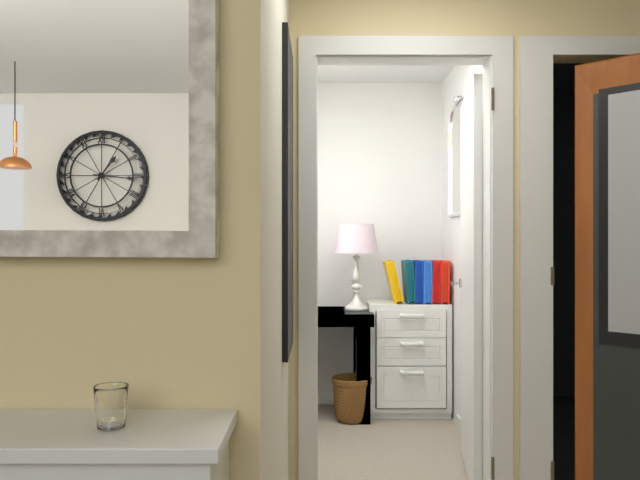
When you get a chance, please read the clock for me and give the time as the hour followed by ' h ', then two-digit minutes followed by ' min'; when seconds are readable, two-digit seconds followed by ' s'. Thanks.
1 h 16 min
